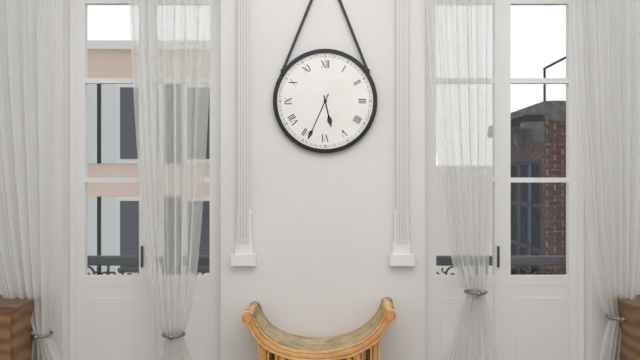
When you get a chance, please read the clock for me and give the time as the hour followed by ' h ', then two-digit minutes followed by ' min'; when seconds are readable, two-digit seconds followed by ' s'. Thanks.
5 h 34 min
